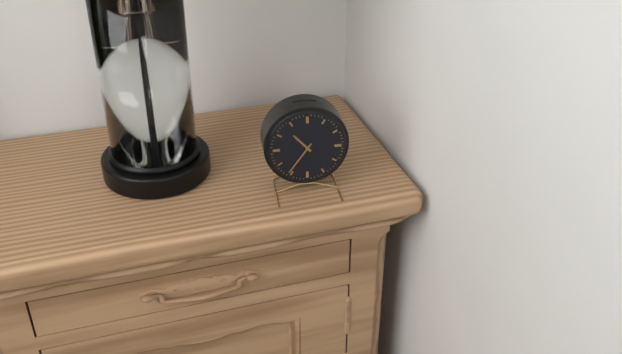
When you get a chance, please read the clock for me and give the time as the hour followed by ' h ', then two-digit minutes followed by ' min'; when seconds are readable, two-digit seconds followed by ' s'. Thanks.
10 h 36 min
